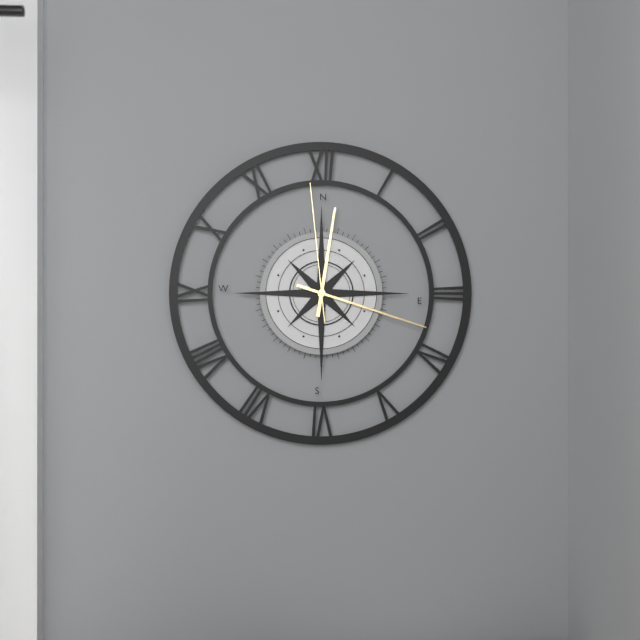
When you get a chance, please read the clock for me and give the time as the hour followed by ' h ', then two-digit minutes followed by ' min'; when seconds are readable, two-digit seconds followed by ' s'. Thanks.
12 h 18 min 59 s
